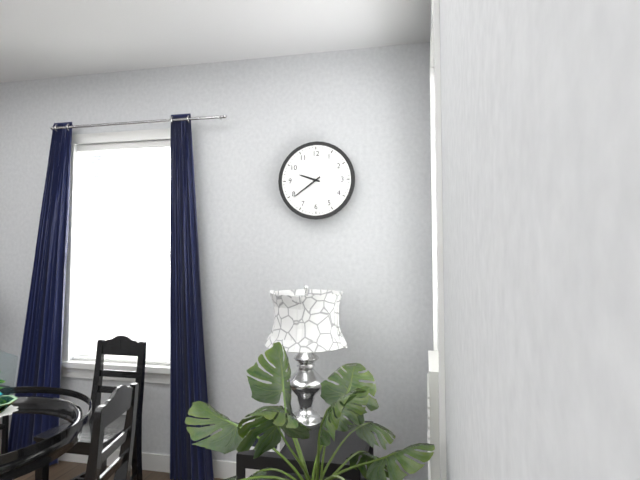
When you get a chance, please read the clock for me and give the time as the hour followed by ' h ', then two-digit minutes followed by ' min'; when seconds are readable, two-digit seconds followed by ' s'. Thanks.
9 h 39 min
